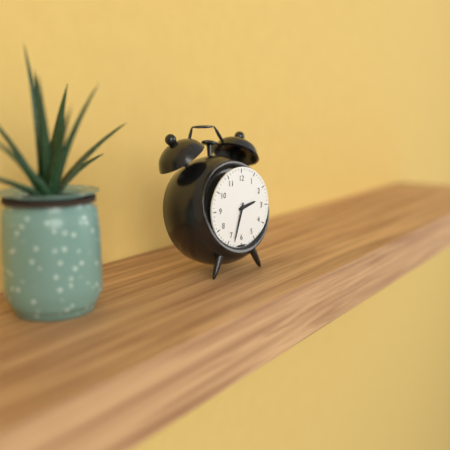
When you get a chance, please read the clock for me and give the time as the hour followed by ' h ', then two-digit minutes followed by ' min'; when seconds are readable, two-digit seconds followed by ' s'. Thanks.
2 h 33 min
